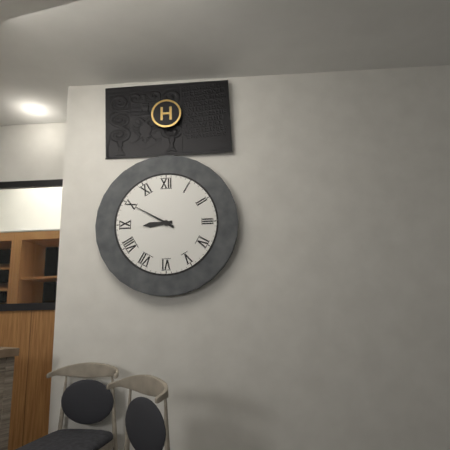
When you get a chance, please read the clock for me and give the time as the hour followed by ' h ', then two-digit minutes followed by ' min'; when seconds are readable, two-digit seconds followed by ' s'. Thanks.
8 h 50 min
